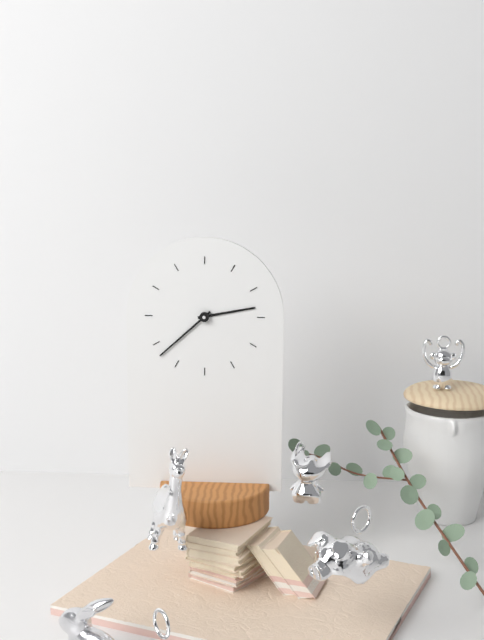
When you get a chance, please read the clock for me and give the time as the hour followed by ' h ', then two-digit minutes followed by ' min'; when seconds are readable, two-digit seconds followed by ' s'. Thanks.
2 h 38 min
